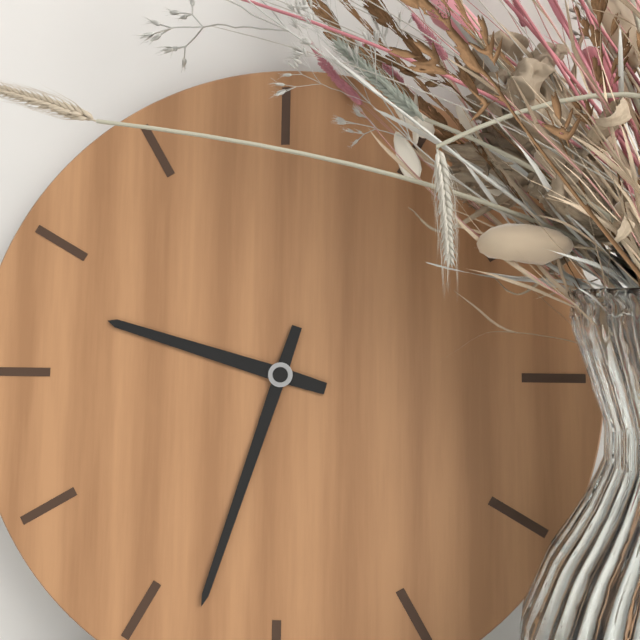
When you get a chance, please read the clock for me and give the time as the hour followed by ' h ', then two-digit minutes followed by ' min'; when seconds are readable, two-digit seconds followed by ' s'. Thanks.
9 h 33 min
